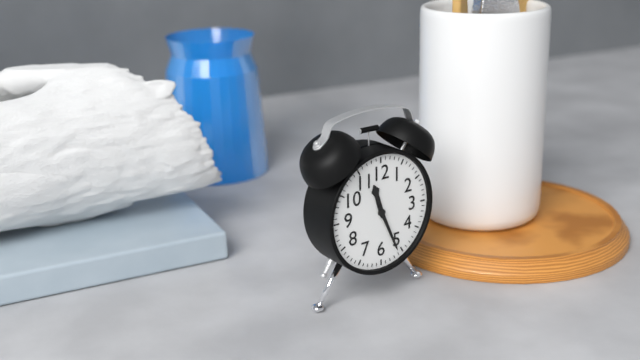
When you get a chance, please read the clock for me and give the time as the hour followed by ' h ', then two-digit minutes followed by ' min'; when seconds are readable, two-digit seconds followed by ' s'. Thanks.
11 h 26 min
